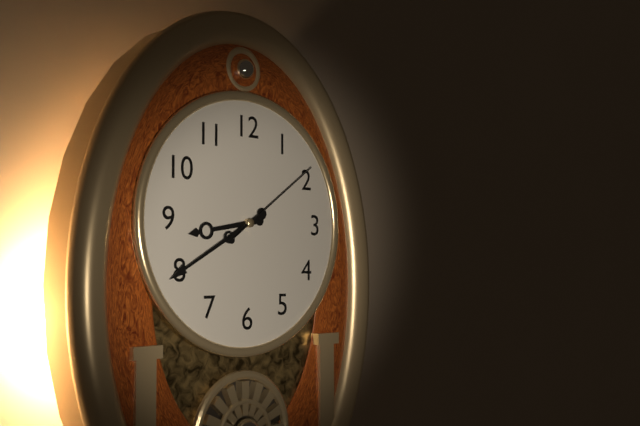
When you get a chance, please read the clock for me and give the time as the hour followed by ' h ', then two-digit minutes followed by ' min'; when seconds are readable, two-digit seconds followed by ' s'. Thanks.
8 h 40 min 09 s
